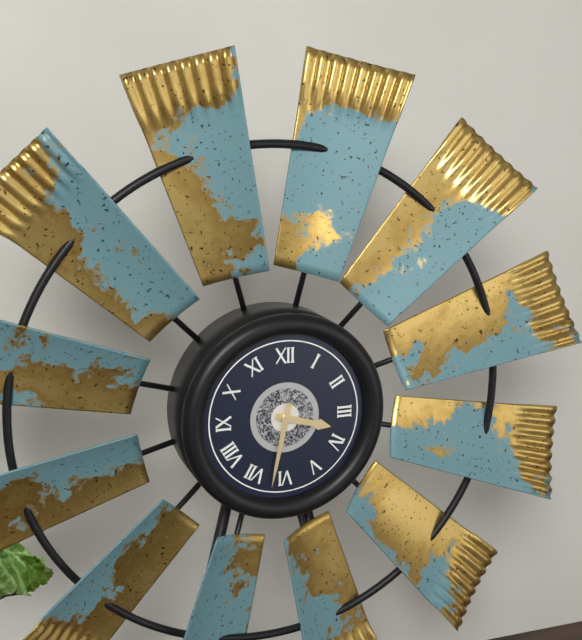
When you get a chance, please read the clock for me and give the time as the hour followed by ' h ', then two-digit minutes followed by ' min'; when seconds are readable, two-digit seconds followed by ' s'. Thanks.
3 h 32 min
